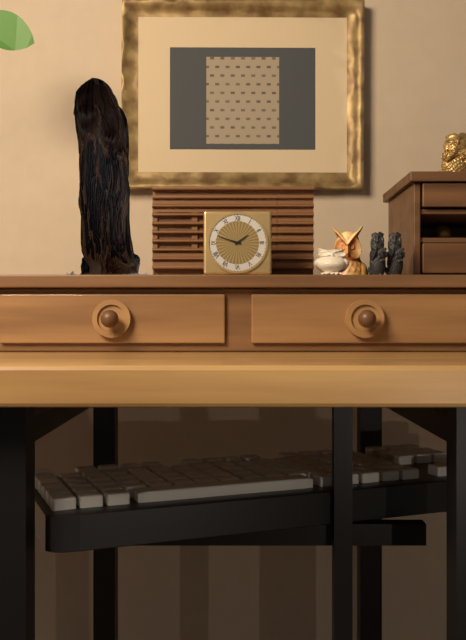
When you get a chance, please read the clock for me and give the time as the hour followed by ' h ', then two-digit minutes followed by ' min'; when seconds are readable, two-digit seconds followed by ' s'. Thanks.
1 h 48 min
